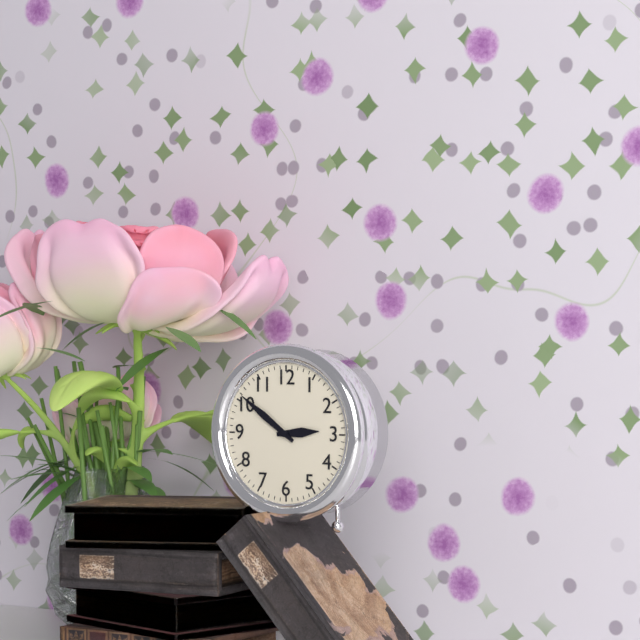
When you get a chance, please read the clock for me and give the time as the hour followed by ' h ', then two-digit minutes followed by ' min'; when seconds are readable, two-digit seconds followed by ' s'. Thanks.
2 h 51 min
